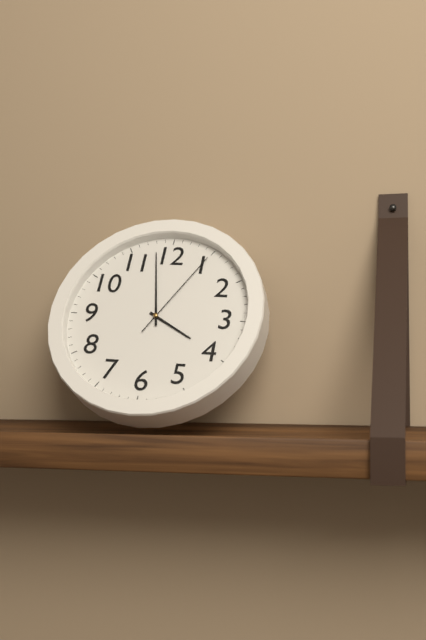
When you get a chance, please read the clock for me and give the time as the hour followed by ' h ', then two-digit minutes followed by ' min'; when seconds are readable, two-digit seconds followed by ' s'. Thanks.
3 h 58 min 05 s
